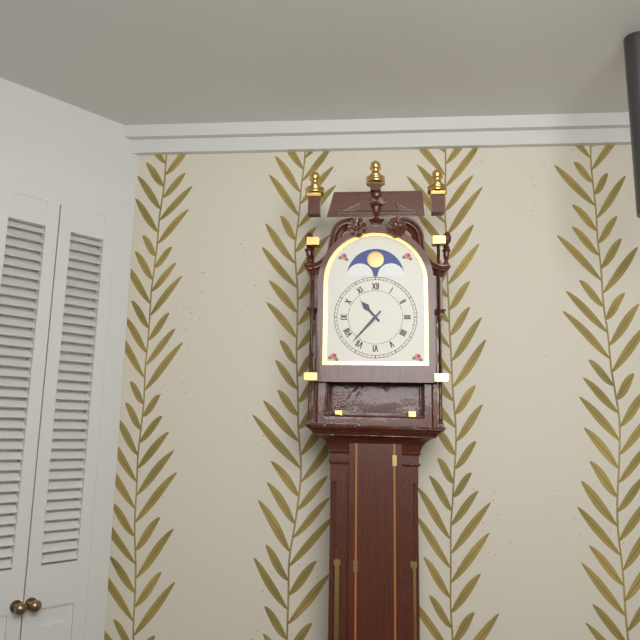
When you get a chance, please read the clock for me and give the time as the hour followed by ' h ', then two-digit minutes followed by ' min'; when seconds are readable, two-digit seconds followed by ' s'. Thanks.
10 h 37 min
